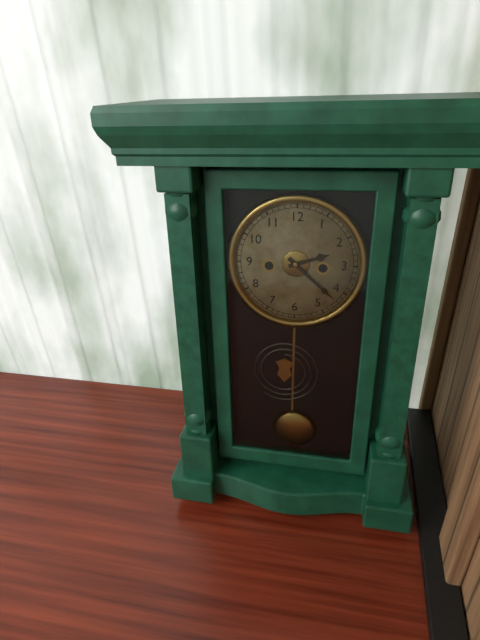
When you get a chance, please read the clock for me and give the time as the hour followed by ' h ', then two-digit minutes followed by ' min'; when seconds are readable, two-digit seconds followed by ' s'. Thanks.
2 h 22 min
